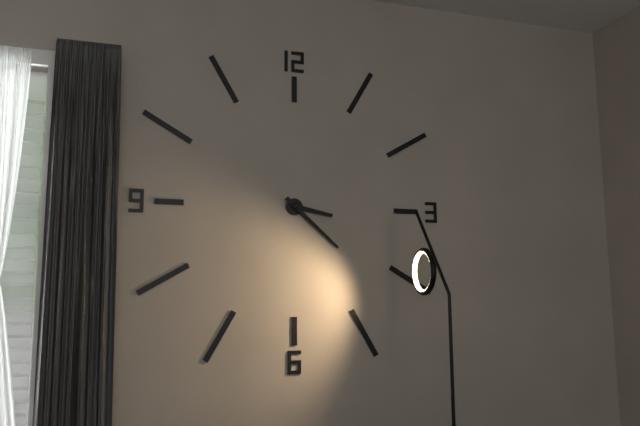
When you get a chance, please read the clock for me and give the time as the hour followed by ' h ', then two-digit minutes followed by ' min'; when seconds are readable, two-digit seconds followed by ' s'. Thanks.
3 h 22 min
